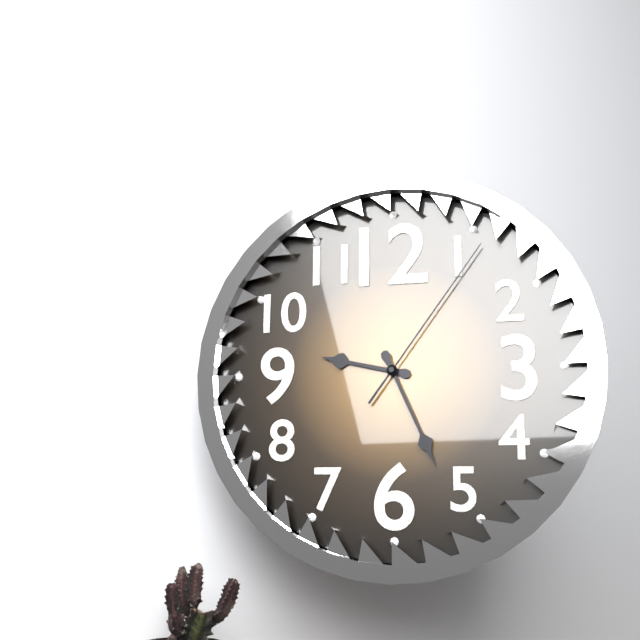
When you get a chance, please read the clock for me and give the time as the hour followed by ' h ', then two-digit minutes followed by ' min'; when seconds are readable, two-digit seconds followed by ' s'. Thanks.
9 h 26 min 06 s
